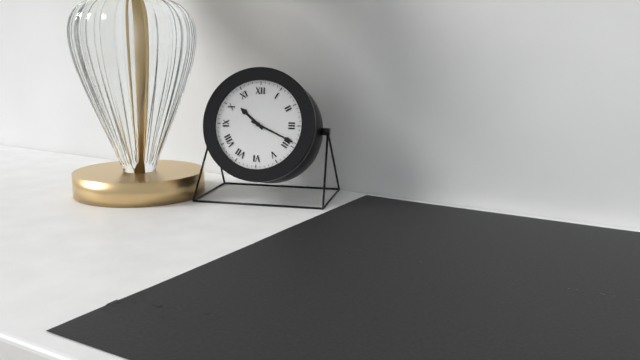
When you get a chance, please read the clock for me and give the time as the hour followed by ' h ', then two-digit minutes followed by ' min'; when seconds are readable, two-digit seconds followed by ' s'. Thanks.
10 h 19 min
